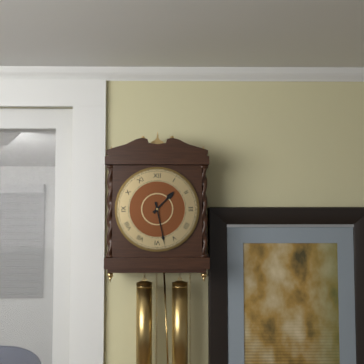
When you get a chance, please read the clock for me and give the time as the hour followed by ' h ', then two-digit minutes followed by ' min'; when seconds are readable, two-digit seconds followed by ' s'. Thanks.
1 h 28 min
